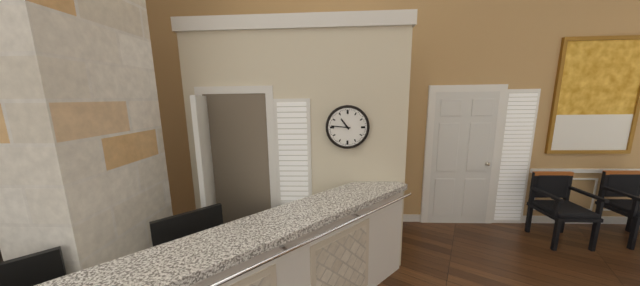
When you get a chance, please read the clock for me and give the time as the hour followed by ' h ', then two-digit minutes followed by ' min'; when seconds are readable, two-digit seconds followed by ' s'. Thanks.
10 h 46 min
